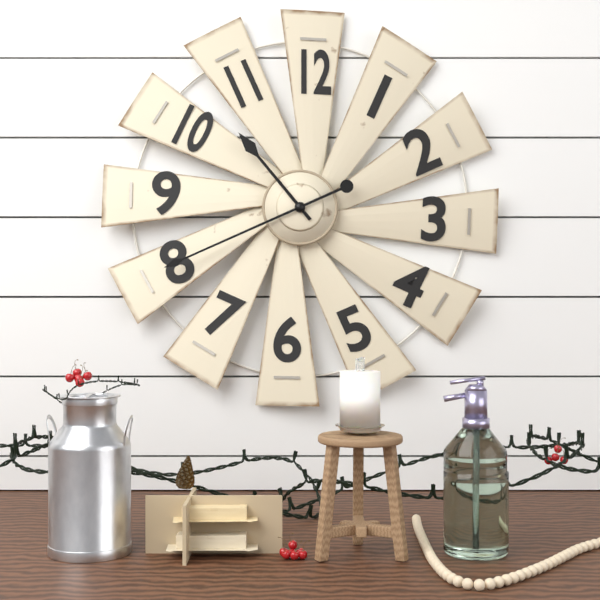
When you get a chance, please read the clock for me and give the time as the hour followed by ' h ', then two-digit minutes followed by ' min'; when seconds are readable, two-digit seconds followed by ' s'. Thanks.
10 h 41 min
